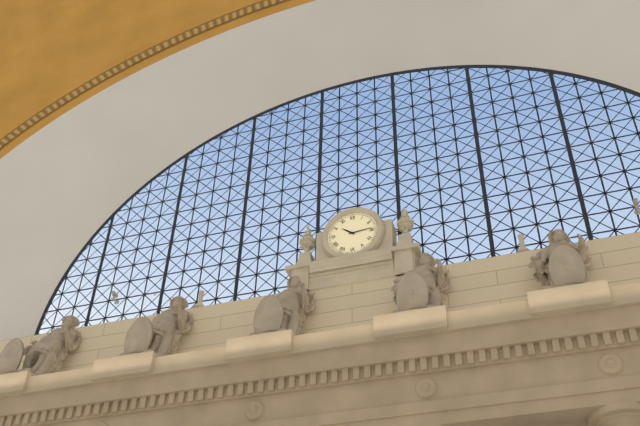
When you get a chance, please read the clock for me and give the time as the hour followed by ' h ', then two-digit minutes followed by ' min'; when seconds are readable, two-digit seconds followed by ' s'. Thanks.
10 h 14 min
